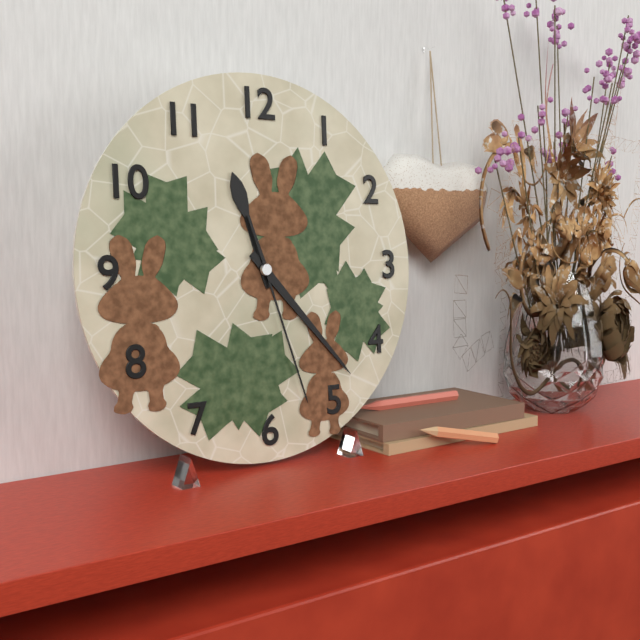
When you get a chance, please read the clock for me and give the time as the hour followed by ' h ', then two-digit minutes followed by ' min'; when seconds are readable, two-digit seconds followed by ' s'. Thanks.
11 h 23 min 27 s
